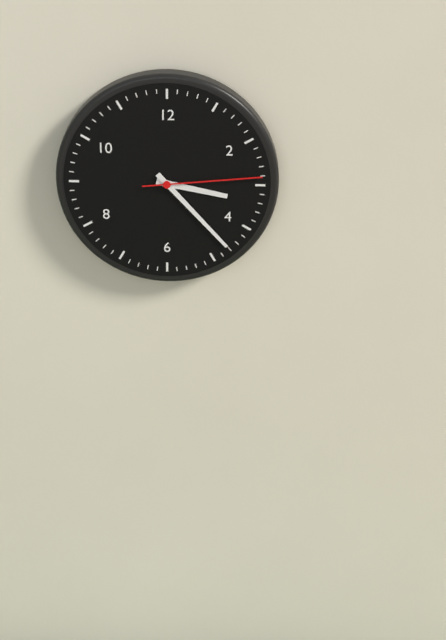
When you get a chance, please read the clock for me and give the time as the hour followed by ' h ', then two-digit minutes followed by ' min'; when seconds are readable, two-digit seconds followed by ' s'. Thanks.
3 h 23 min 14 s
